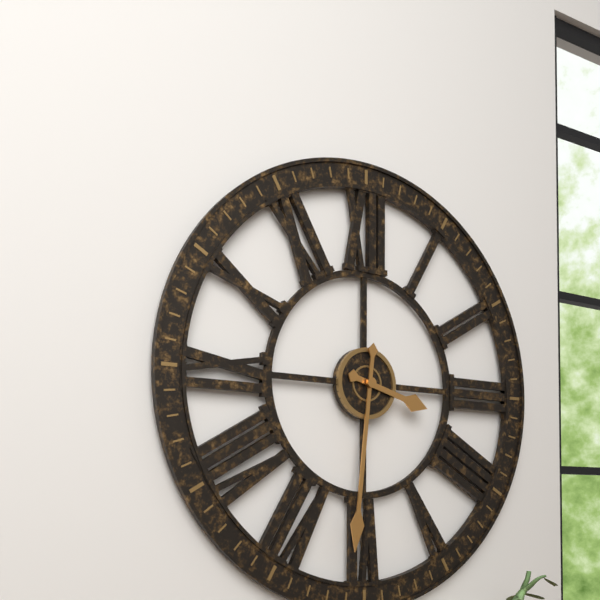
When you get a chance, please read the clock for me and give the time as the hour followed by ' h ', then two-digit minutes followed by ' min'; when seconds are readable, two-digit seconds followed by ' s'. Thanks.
3 h 31 min
